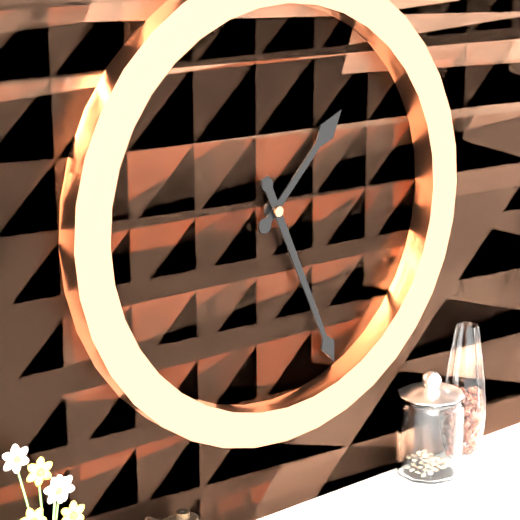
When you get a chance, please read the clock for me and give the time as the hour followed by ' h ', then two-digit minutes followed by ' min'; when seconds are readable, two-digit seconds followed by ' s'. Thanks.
1 h 26 min
